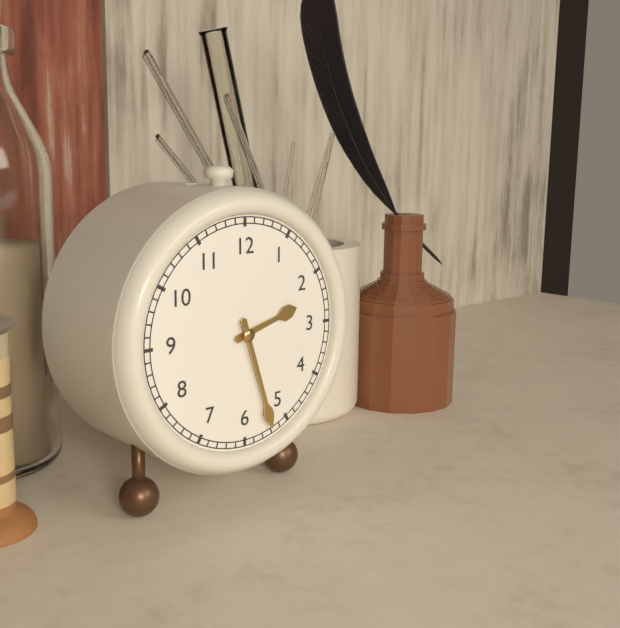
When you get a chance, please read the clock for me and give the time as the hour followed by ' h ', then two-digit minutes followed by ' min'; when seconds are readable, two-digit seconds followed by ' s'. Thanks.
2 h 27 min
